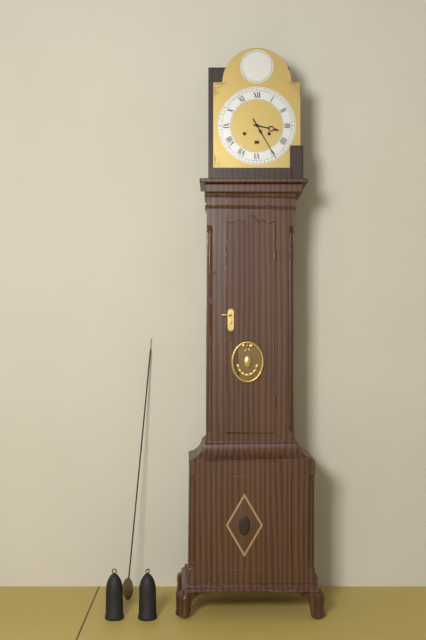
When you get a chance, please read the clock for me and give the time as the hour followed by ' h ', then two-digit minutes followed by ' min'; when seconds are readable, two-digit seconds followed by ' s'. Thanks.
3 h 25 min
